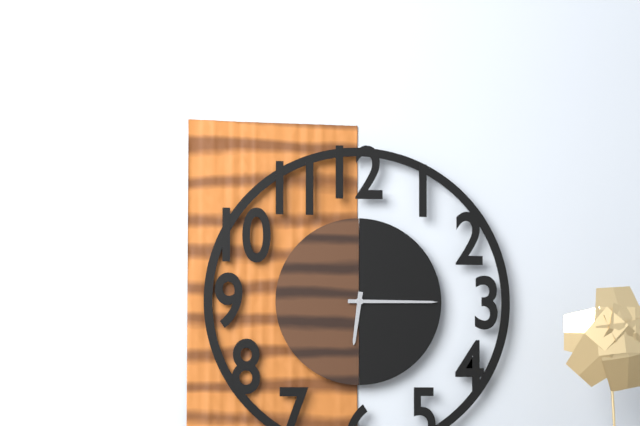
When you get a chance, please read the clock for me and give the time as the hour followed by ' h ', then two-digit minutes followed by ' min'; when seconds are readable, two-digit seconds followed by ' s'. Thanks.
6 h 15 min
